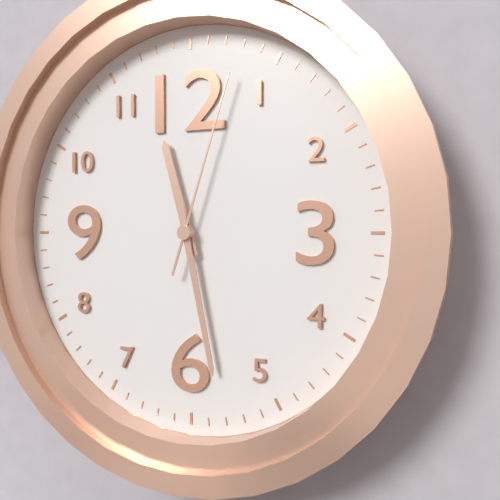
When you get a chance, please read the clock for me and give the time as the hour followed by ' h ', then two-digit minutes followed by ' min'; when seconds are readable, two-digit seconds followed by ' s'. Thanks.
11 h 28 min 03 s
